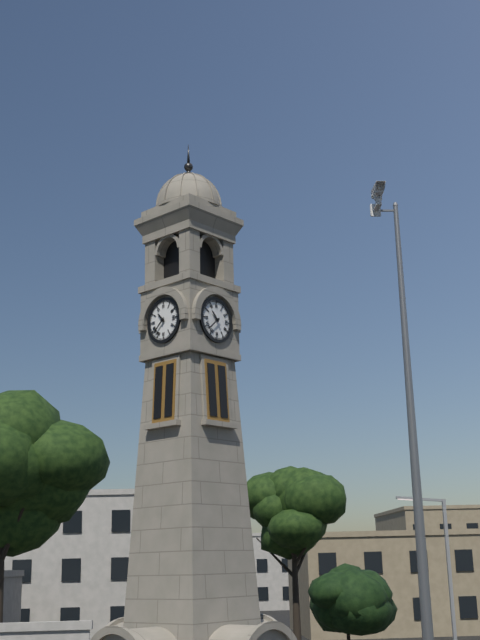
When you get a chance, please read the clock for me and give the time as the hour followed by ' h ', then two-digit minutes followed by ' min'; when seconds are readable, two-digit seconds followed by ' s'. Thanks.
10 h 38 min
